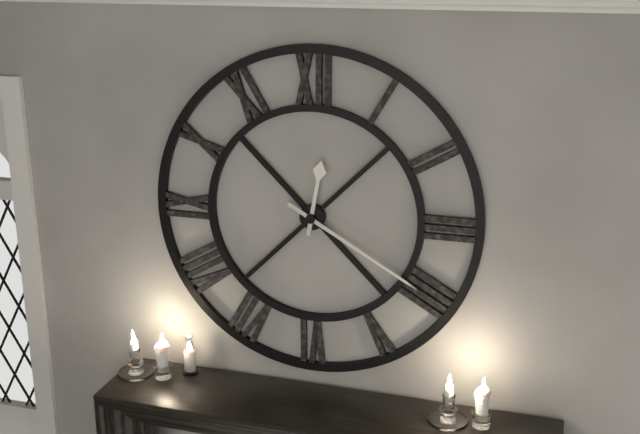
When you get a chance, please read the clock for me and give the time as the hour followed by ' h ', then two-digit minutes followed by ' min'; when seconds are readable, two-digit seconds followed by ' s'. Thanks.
12 h 20 min
